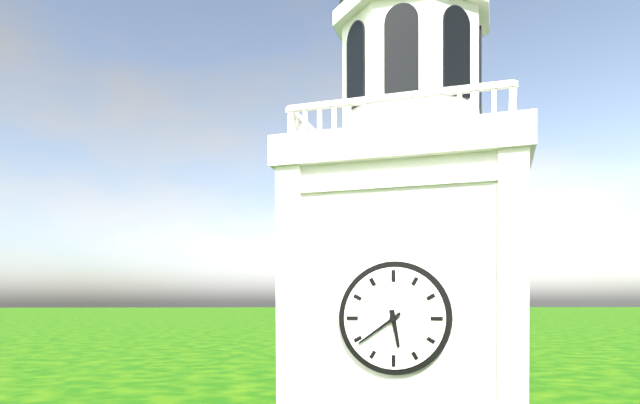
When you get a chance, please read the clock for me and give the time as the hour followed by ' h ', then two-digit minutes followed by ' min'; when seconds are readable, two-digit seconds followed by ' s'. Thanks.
5 h 39 min
